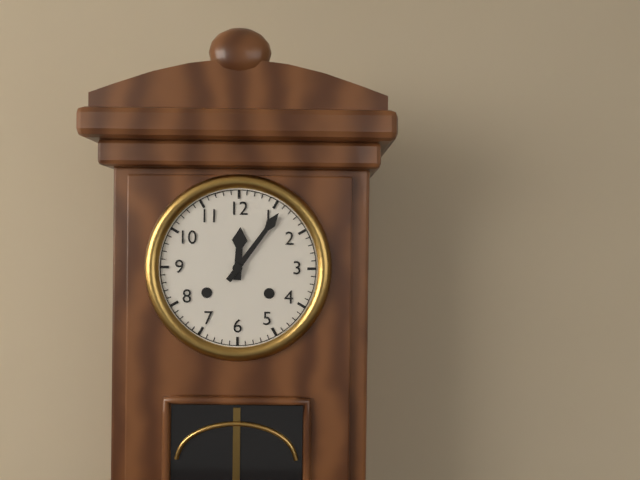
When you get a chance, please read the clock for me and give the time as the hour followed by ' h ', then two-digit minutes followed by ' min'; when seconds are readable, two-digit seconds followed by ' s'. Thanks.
12 h 06 min
